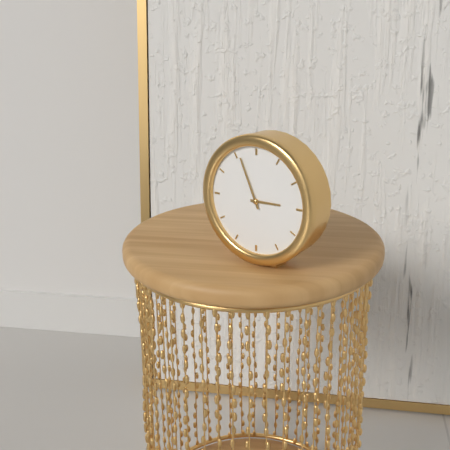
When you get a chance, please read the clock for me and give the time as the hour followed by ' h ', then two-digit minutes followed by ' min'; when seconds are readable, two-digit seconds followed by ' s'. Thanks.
2 h 56 min
